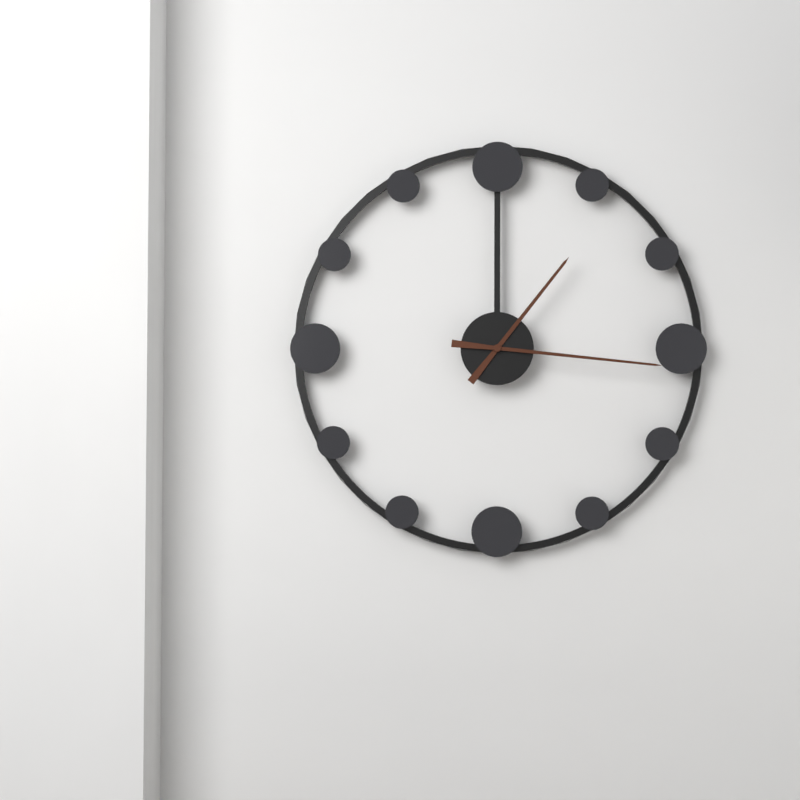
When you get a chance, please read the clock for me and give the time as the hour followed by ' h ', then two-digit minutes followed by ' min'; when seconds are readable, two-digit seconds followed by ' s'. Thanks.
1 h 16 min
